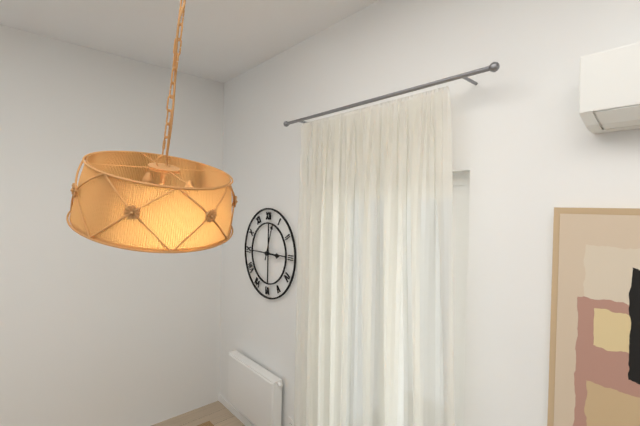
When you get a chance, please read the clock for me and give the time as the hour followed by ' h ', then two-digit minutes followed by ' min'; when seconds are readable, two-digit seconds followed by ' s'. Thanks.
3 h 03 min
